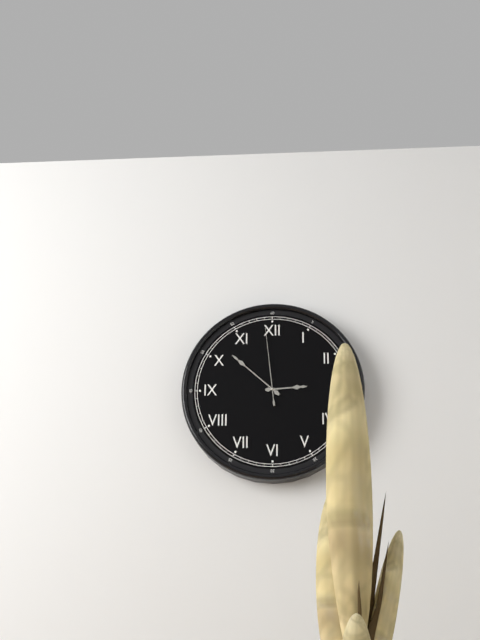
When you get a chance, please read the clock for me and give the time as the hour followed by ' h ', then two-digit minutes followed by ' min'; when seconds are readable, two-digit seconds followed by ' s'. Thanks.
2 h 52 min 59 s
